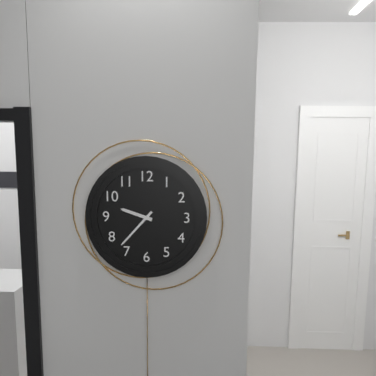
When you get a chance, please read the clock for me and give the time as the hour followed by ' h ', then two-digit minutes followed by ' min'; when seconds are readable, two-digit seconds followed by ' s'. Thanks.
9 h 37 min
